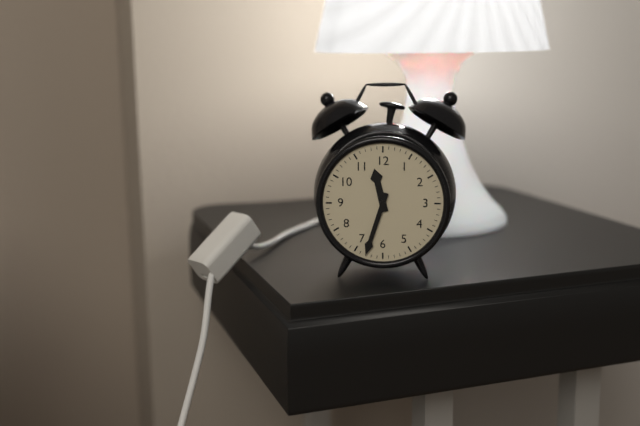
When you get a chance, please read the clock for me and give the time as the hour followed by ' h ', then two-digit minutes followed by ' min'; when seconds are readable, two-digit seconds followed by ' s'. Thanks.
11 h 33 min
